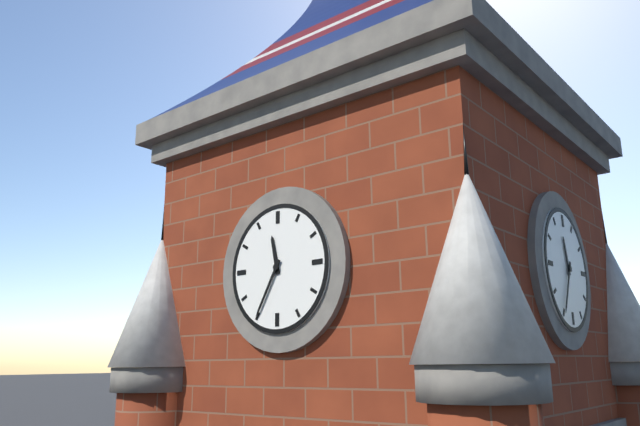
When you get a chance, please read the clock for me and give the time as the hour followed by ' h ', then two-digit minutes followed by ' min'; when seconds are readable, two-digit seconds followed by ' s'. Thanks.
11 h 35 min
